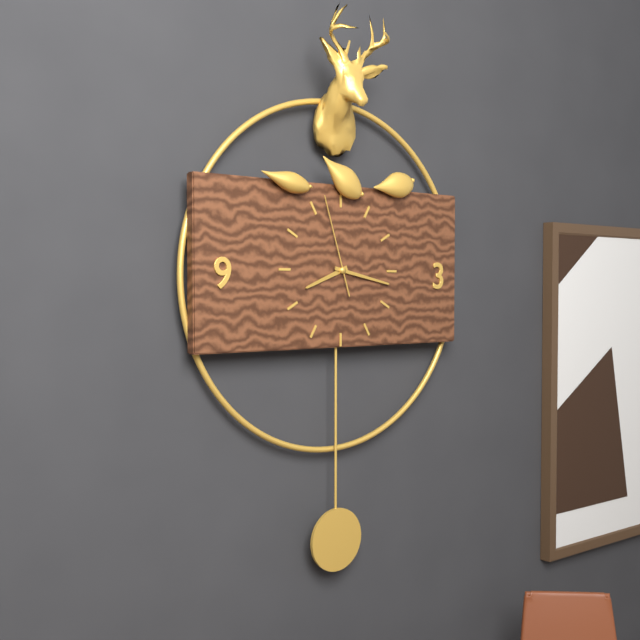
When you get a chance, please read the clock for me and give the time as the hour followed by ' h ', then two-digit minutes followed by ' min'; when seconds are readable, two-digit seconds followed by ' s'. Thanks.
8 h 17 min 57 s
